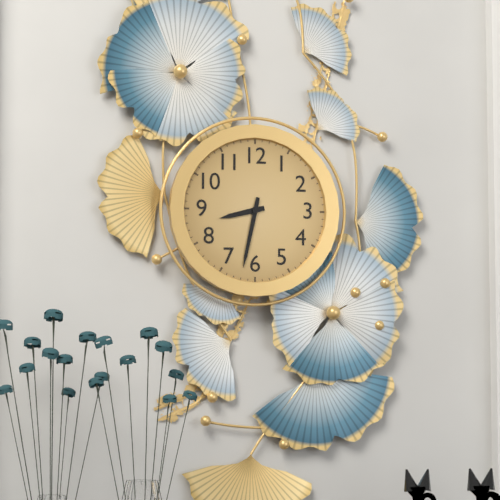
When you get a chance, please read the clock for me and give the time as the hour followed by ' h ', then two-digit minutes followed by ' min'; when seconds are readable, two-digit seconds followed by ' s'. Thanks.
8 h 32 min
